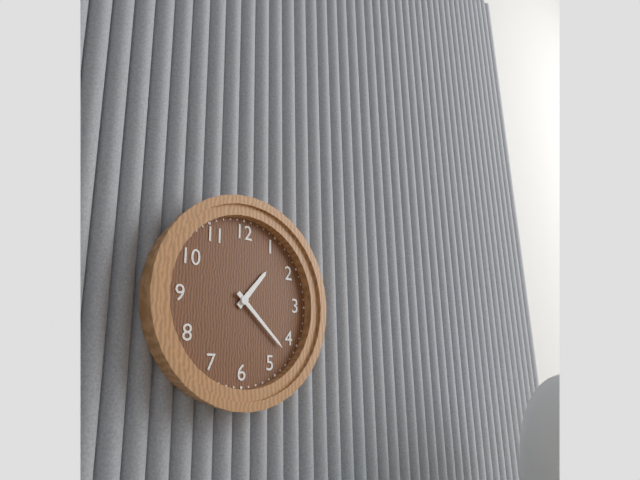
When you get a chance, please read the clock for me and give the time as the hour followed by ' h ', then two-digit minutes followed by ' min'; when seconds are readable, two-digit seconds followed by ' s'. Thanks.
1 h 22 min
